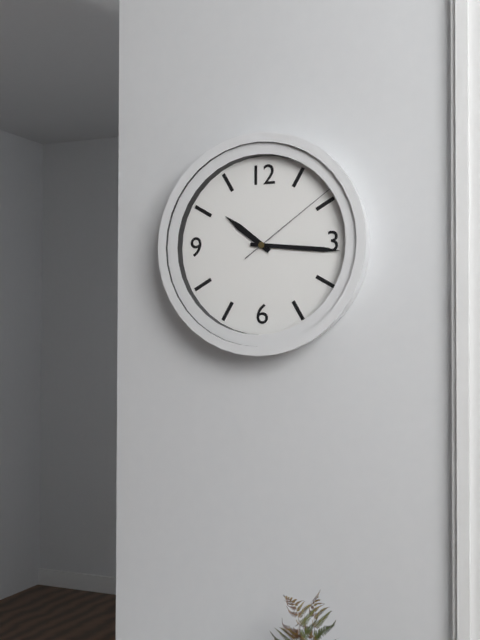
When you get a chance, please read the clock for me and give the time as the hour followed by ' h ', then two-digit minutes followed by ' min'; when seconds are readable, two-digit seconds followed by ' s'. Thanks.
10 h 16 min 09 s
